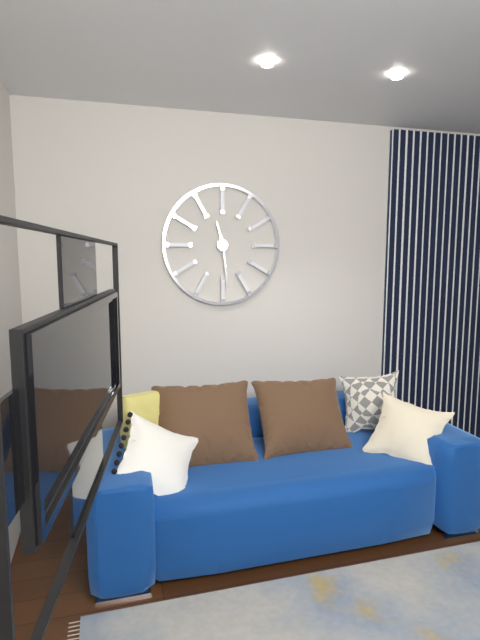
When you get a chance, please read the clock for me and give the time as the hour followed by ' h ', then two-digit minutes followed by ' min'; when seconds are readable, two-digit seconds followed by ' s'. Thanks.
11 h 29 min
